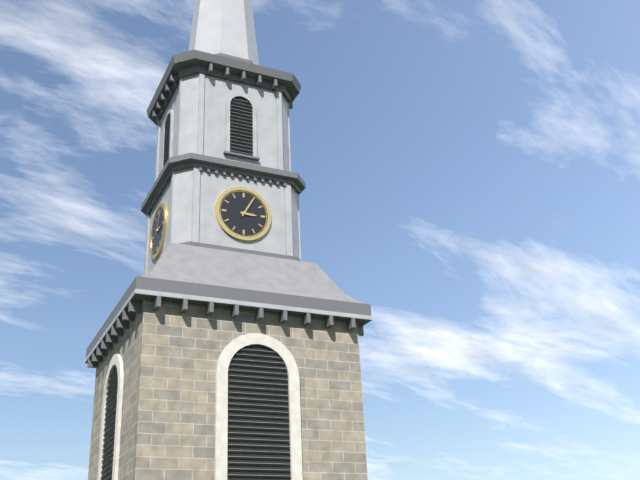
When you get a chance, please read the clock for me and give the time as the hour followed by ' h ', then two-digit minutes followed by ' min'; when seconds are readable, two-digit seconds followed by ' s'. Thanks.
3 h 05 min
